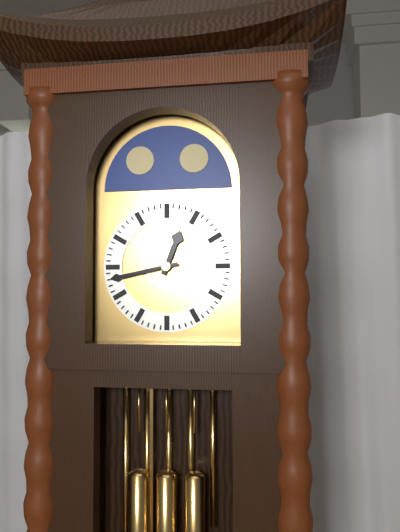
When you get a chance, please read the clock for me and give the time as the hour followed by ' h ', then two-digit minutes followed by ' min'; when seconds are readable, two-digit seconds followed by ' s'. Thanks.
12 h 43 min
